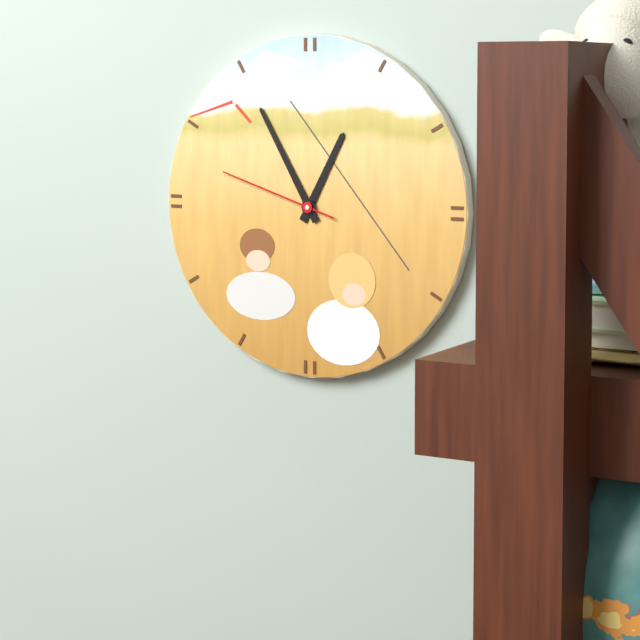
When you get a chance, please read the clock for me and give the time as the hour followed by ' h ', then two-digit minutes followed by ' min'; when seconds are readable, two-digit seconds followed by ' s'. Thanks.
12 h 55 min 48 s
